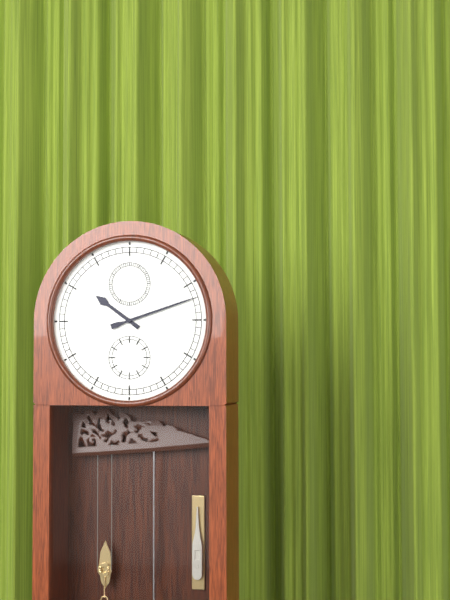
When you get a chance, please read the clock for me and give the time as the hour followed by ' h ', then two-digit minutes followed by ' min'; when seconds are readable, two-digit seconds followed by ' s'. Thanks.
10 h 12 min
